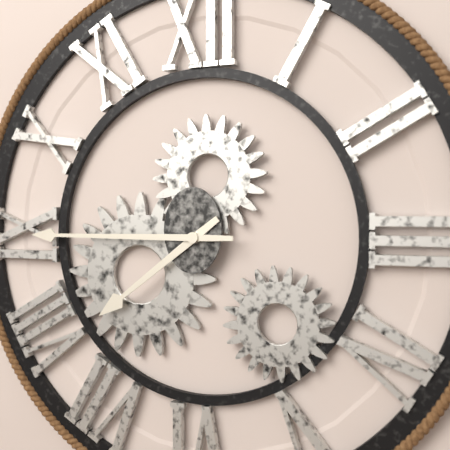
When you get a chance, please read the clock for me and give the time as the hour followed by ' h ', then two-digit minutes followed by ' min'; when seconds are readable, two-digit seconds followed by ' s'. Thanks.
7 h 45 min
